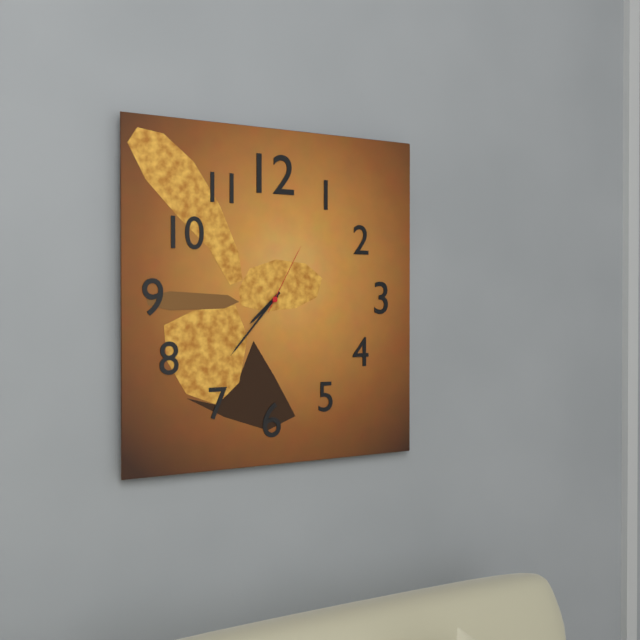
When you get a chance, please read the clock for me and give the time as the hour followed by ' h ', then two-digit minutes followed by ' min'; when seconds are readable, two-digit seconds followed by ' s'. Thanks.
7 h 37 min 05 s
